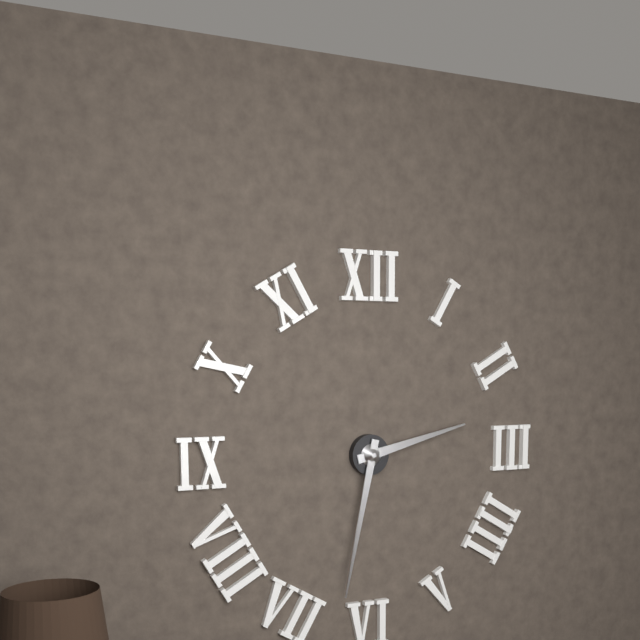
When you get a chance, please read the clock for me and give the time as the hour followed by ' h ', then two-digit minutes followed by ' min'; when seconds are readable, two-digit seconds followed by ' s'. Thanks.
2 h 32 min
